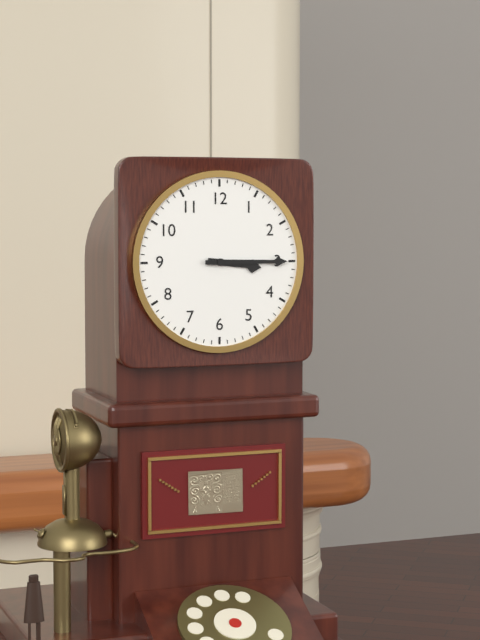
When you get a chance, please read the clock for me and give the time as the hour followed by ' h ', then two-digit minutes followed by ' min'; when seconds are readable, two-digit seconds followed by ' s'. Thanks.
3 h 15 min
